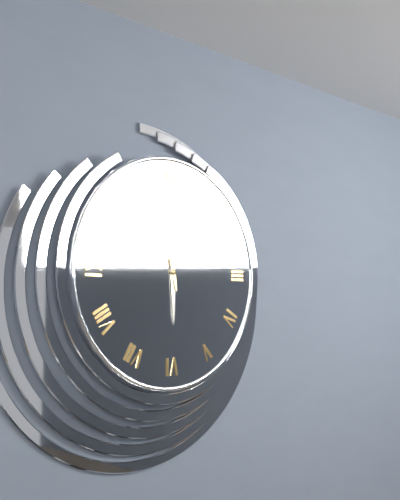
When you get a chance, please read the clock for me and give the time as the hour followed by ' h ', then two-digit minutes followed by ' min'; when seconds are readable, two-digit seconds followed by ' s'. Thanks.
5 h 58 min
